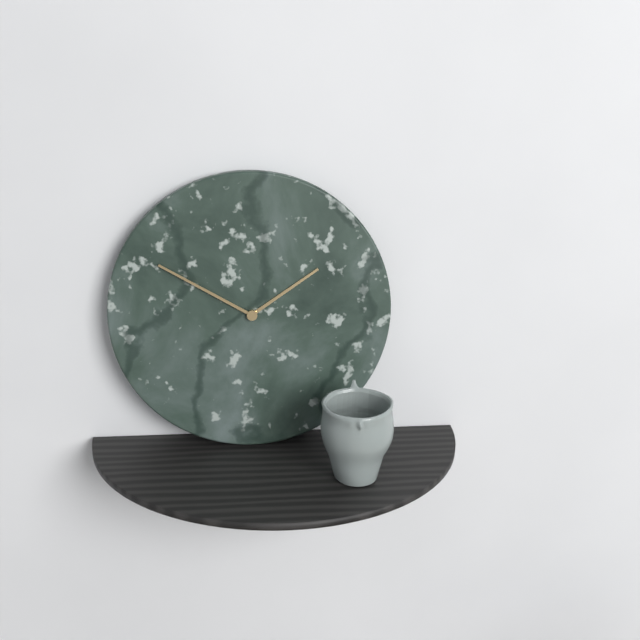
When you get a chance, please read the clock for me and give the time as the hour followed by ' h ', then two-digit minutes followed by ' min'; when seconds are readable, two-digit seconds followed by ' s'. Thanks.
1 h 50 min
